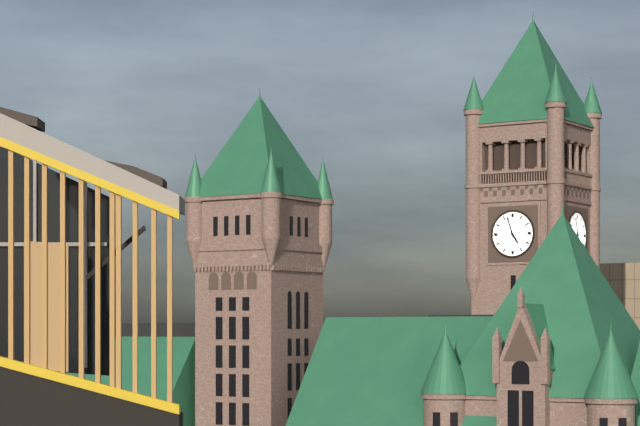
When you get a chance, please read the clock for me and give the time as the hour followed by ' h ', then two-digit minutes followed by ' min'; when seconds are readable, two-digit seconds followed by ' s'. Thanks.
4 h 57 min
